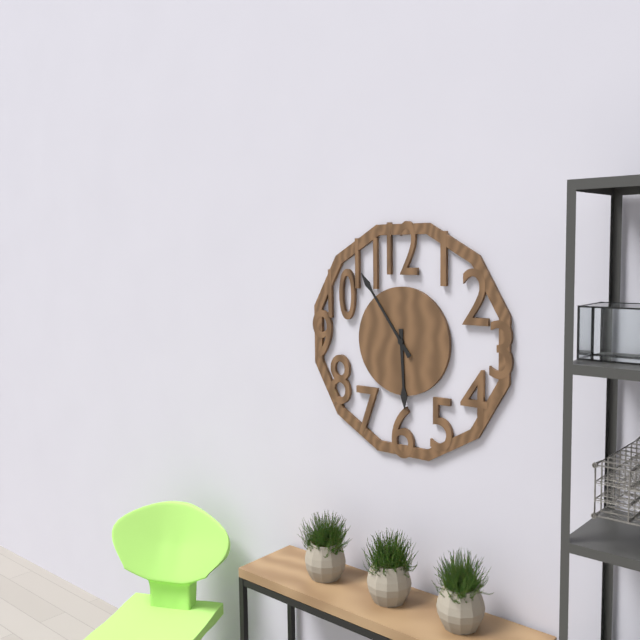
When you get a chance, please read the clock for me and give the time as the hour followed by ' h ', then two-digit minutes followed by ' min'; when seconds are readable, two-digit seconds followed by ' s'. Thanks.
5 h 54 min
